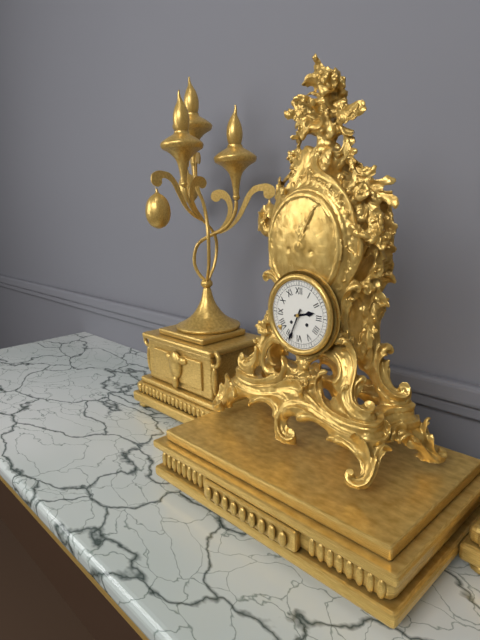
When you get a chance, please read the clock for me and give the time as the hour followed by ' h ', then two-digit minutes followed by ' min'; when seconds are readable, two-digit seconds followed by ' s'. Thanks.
2 h 34 min
